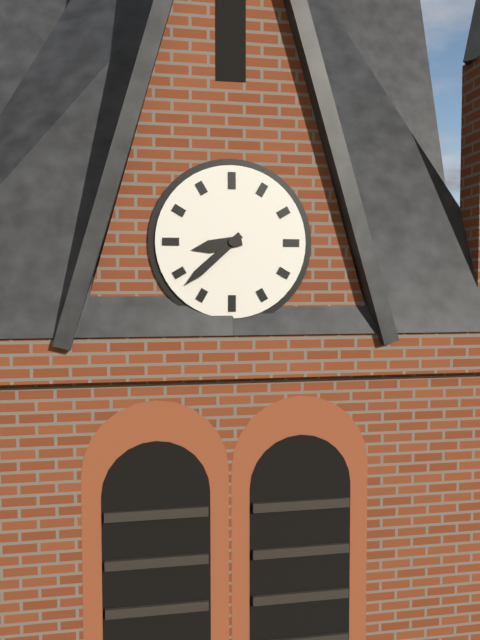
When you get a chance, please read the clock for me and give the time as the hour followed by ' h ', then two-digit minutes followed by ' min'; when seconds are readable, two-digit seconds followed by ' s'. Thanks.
8 h 38 min
